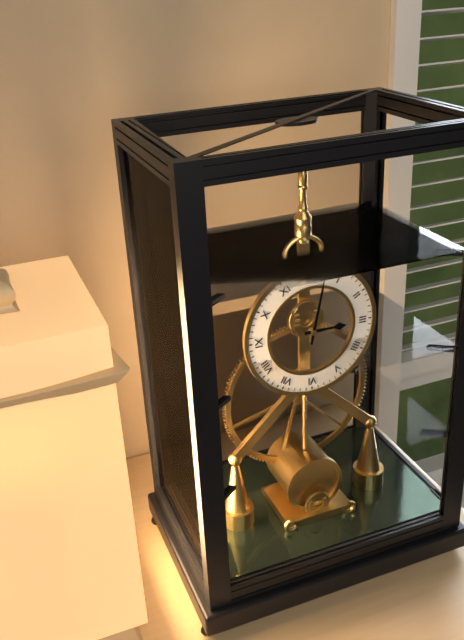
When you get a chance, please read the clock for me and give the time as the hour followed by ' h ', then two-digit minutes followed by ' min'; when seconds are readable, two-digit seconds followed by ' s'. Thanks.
3 h 02 min
